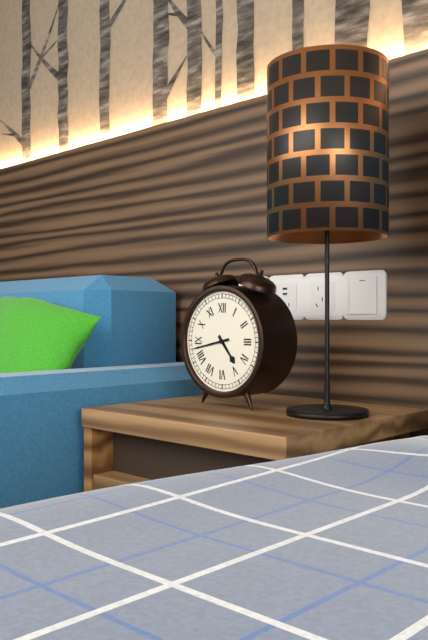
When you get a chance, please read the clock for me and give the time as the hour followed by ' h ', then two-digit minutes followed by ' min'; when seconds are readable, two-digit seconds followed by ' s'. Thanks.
4 h 43 min
